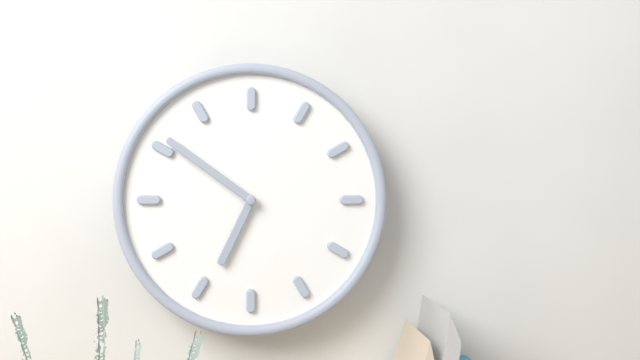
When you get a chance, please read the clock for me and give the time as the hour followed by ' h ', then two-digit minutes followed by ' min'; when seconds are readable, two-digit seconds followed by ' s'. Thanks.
6 h 51 min
